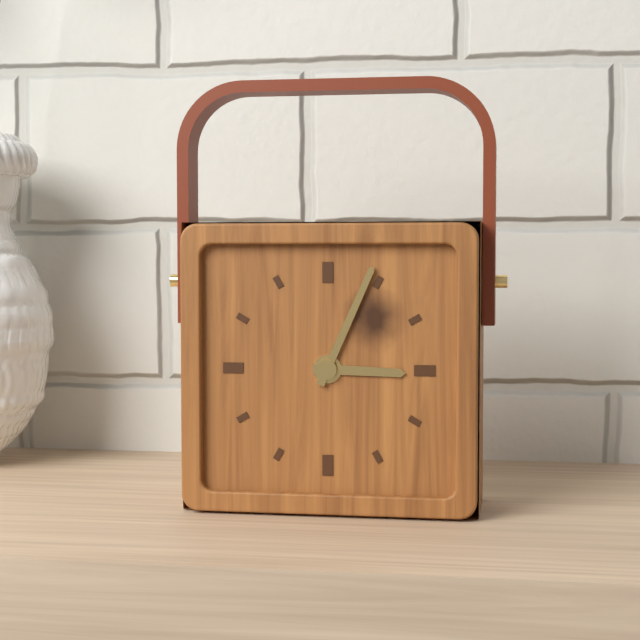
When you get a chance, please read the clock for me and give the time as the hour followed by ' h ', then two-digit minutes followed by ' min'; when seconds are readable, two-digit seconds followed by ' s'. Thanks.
3 h 04 min
